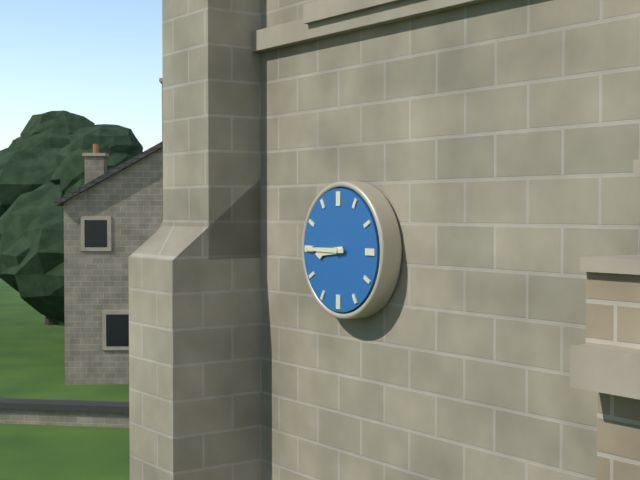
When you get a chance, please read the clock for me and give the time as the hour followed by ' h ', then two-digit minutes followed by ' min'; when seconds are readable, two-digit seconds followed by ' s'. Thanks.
8 h 45 min
